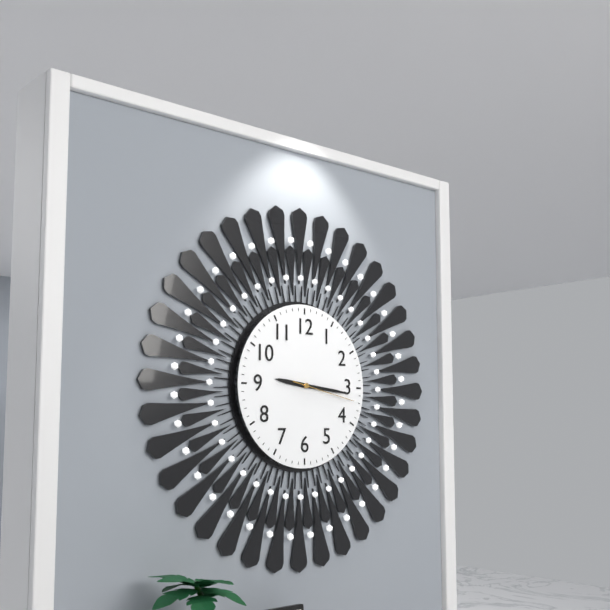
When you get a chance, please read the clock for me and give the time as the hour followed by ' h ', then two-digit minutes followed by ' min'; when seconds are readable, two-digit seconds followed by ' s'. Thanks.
9 h 16 min 17 s
